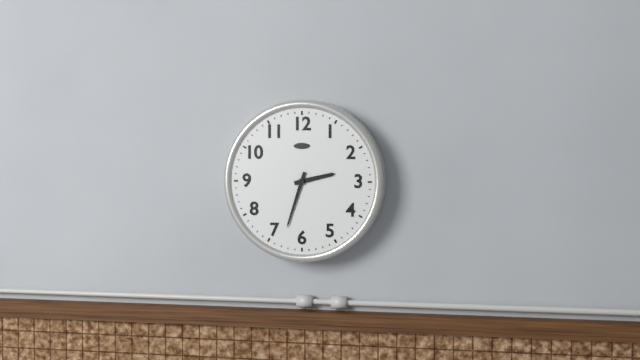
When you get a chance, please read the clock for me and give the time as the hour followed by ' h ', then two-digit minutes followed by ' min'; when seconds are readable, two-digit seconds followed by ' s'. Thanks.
2 h 33 min
